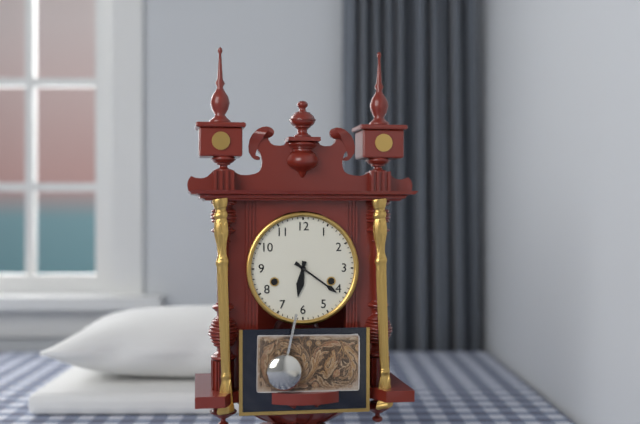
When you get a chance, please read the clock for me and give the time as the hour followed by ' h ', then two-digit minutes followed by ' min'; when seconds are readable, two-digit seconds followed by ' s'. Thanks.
6 h 21 min
